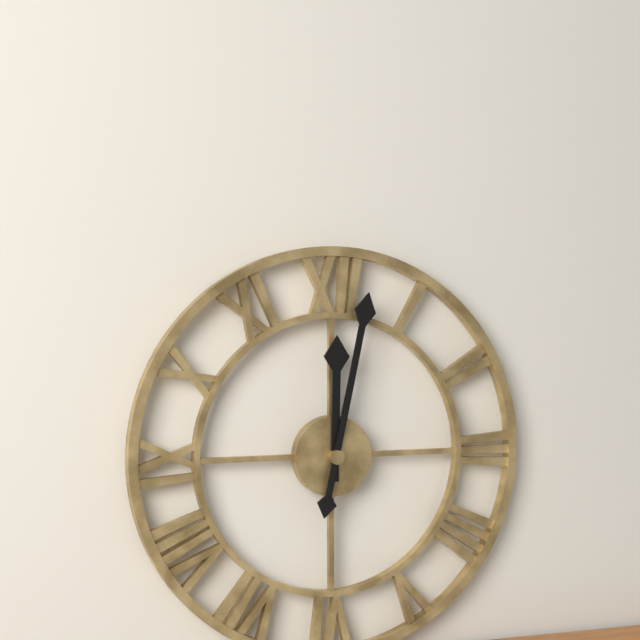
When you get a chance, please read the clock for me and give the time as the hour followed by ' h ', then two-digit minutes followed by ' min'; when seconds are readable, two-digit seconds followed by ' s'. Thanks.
12 h 02 min
